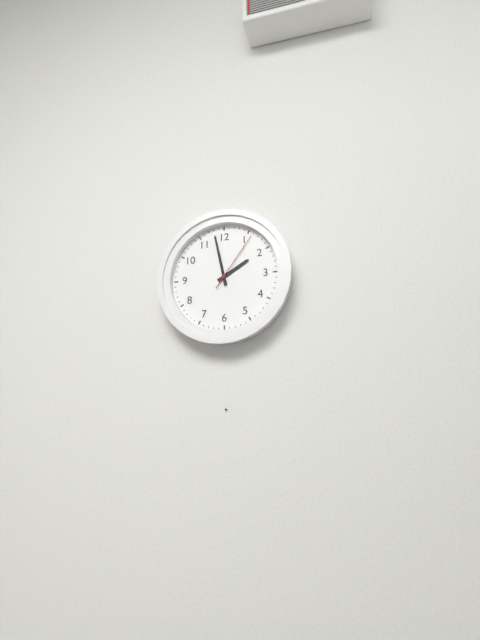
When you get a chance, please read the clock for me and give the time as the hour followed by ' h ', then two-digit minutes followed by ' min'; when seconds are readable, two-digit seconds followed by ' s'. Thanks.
1 h 58 min 06 s
